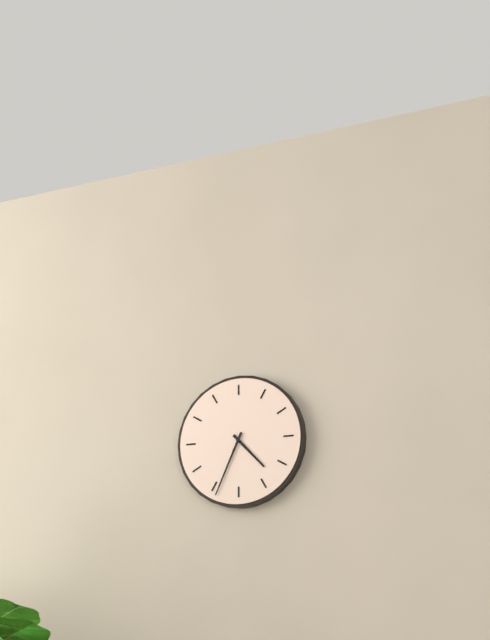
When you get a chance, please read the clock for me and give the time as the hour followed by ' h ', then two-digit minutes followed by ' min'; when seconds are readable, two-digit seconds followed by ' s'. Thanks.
4 h 34 min
